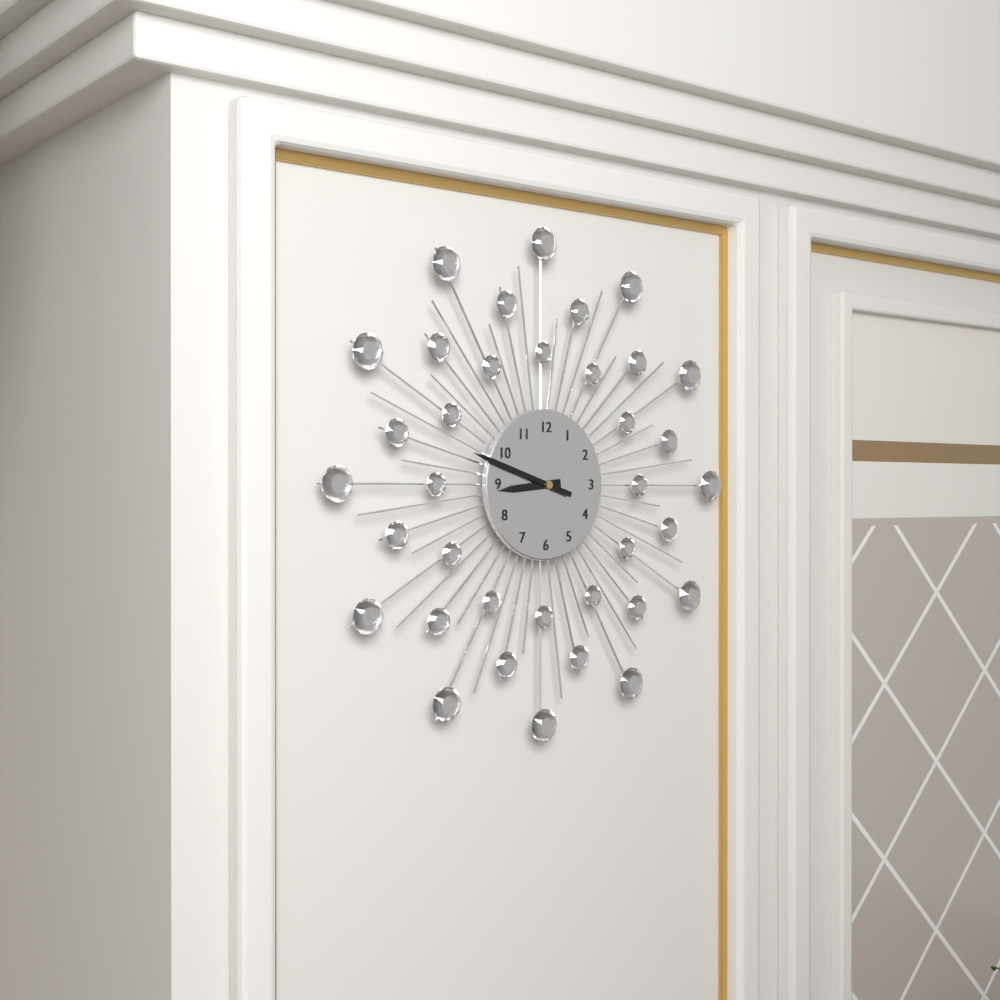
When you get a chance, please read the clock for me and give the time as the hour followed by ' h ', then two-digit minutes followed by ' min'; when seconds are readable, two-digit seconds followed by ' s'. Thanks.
8 h 48 min
